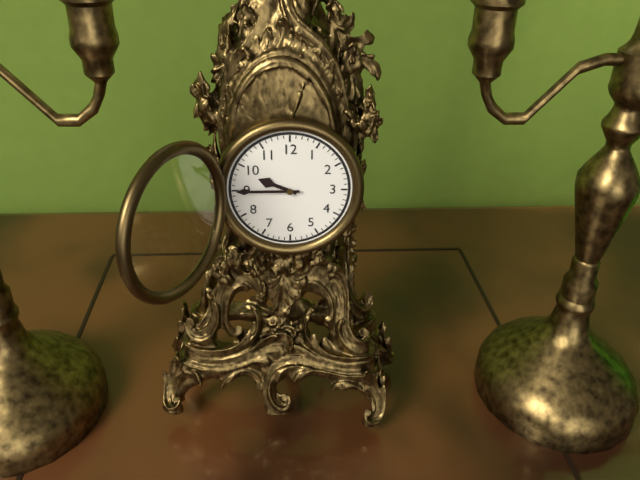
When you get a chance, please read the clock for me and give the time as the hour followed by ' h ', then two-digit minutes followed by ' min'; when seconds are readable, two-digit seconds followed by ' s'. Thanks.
9 h 45 min
